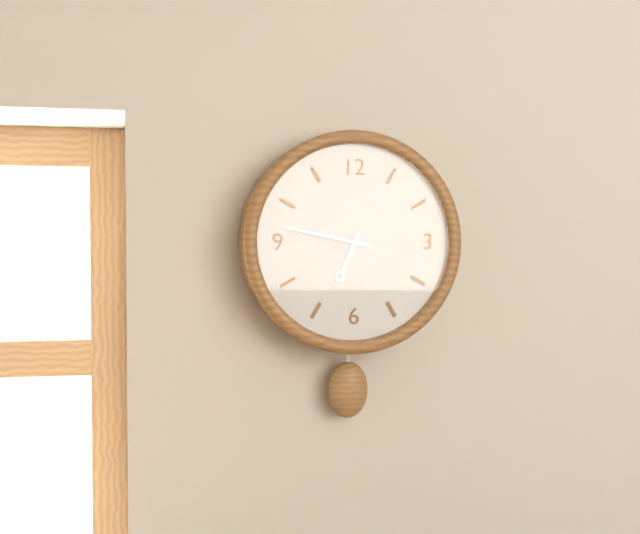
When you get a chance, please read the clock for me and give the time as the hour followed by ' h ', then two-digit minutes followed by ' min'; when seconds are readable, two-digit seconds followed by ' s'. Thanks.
6 h 47 min
